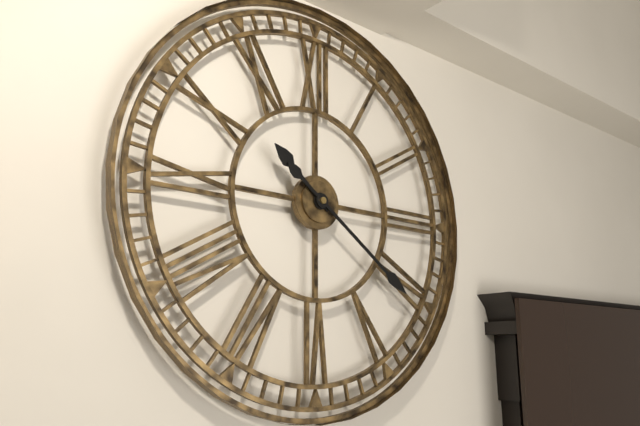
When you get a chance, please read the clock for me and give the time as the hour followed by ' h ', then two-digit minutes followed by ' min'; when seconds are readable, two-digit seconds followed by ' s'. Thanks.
10 h 21 min
